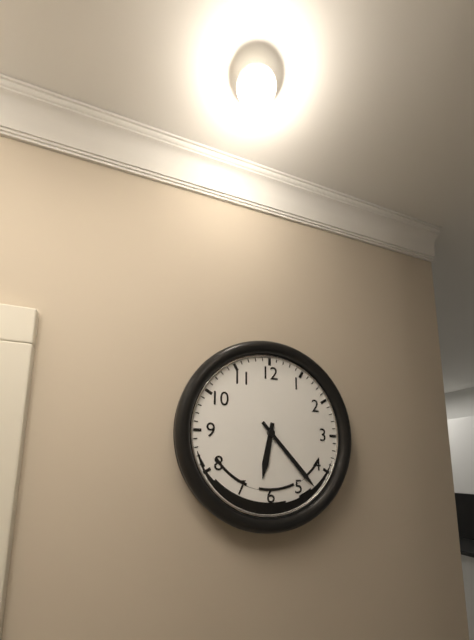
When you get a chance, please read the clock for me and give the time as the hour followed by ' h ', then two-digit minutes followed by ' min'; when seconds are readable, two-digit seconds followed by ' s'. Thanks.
6 h 23 min
